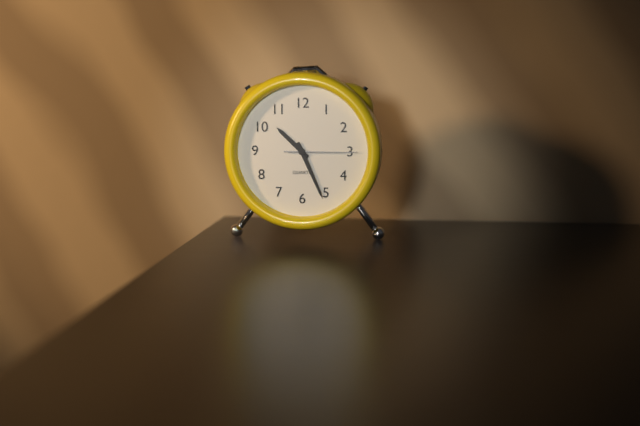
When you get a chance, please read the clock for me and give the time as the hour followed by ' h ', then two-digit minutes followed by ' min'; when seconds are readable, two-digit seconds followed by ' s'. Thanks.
10 h 26 min 15 s
